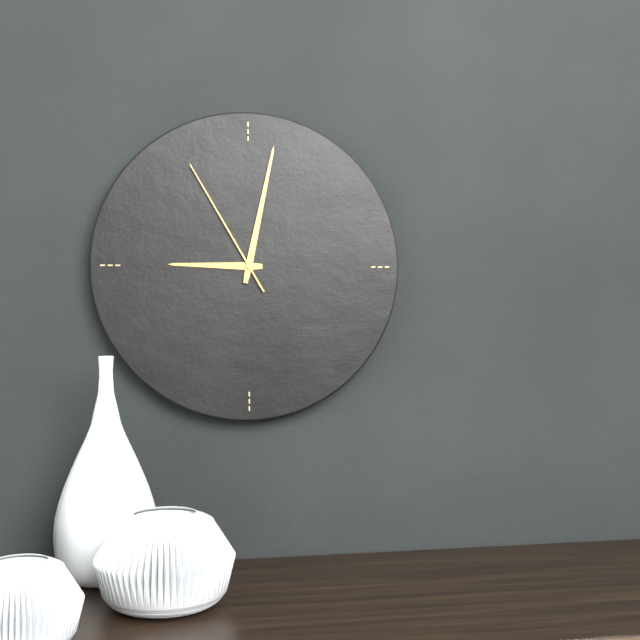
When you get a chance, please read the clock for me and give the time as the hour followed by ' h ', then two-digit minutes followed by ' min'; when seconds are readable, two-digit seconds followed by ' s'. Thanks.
9 h 02 min 55 s
